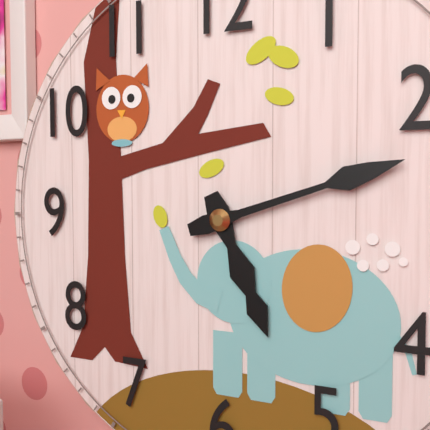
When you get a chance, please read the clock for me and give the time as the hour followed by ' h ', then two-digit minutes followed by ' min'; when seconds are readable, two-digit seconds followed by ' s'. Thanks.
5 h 12 min
